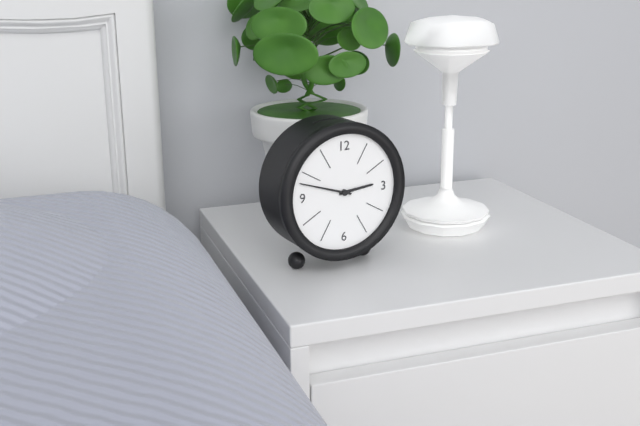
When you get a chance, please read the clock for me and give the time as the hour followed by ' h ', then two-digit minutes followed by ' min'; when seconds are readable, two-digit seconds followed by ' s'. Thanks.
2 h 48 min
